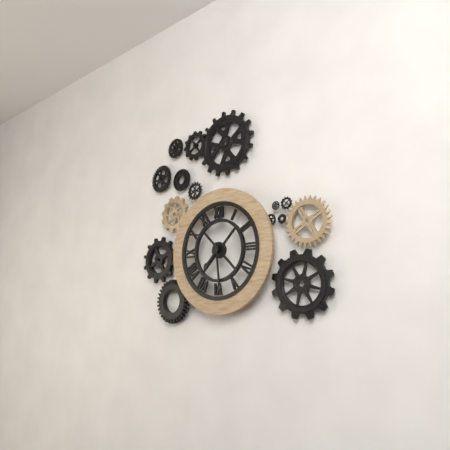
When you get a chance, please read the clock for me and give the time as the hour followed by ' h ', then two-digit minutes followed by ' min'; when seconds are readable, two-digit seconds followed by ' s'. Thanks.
7 h 29 min
